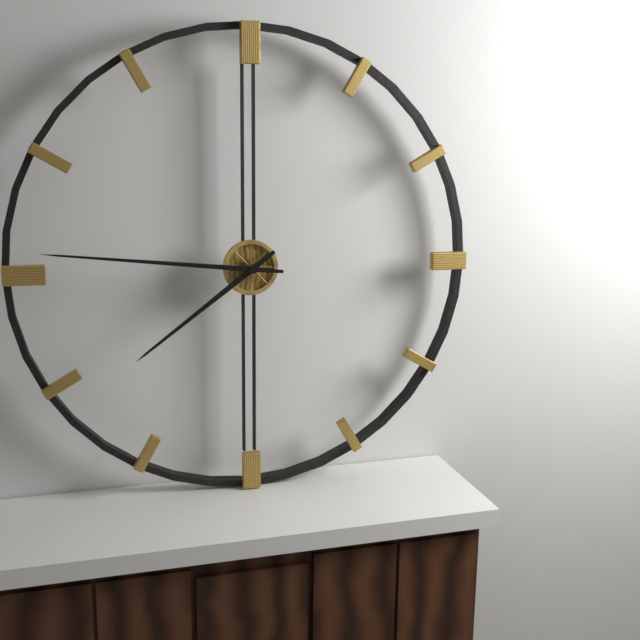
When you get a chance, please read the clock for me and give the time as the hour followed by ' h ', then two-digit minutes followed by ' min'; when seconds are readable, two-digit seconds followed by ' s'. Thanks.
7 h 46 min
